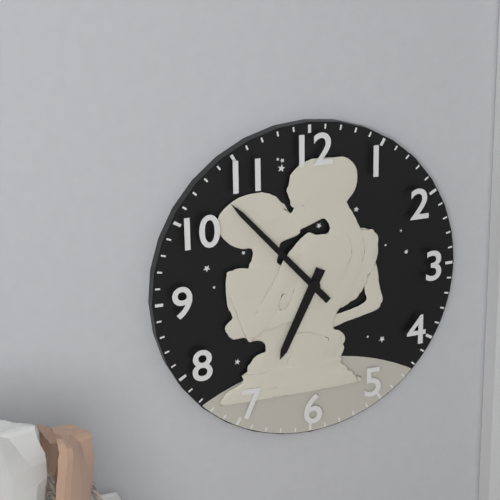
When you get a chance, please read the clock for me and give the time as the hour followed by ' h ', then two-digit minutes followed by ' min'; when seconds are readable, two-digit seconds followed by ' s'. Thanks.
6 h 53 min
